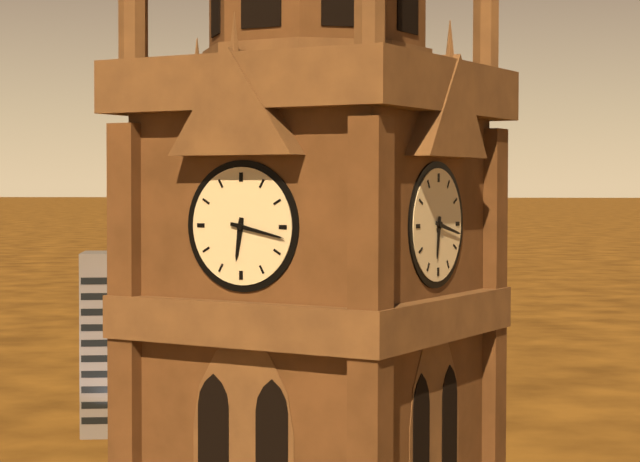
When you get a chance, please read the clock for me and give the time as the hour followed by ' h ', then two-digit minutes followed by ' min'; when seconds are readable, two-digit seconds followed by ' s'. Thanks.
6 h 17 min
